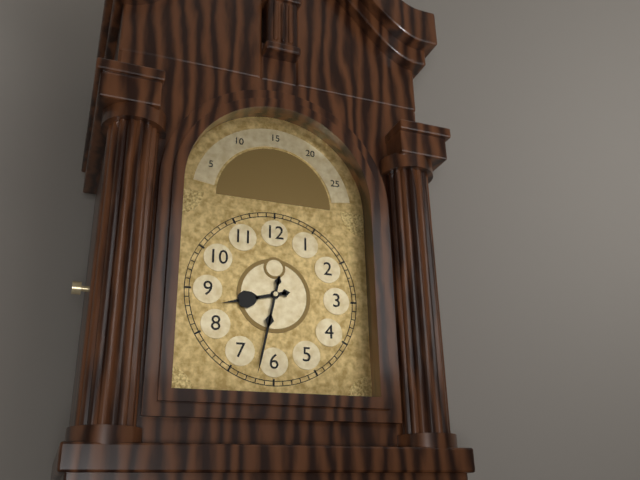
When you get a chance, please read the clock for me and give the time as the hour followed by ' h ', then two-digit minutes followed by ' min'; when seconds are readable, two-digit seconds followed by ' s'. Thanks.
8 h 32 min
